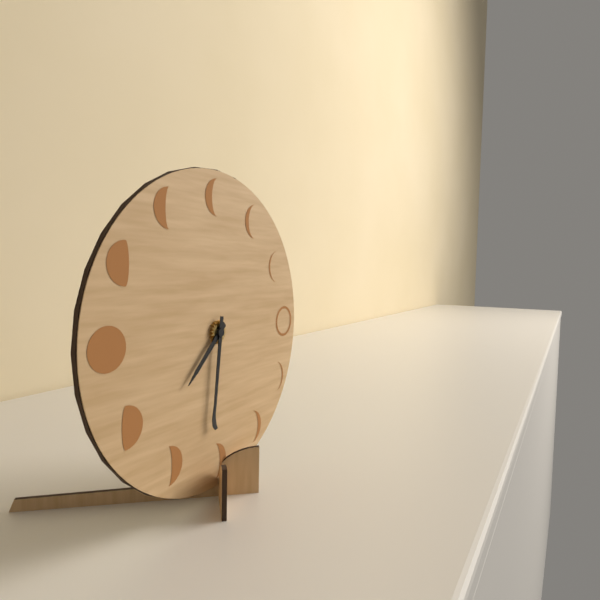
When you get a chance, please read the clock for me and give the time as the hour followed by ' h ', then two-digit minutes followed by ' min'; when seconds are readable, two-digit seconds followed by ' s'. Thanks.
7 h 31 min
